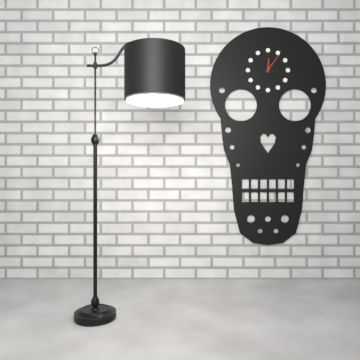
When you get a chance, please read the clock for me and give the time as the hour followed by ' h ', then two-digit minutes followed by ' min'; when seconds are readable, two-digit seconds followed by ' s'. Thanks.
12 h 06 min
